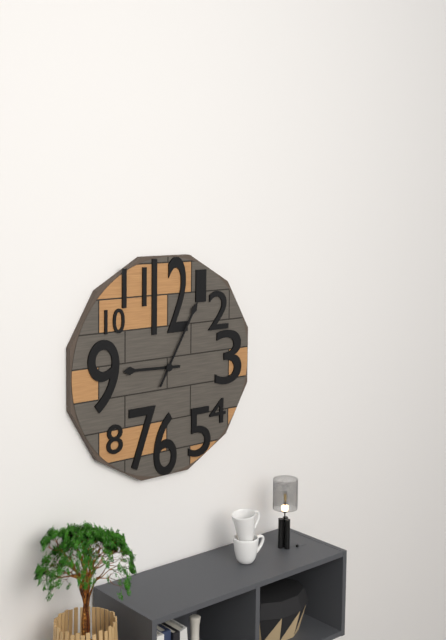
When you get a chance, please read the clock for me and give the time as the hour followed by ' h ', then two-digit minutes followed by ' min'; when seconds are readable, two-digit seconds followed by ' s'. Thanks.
9 h 05 min
